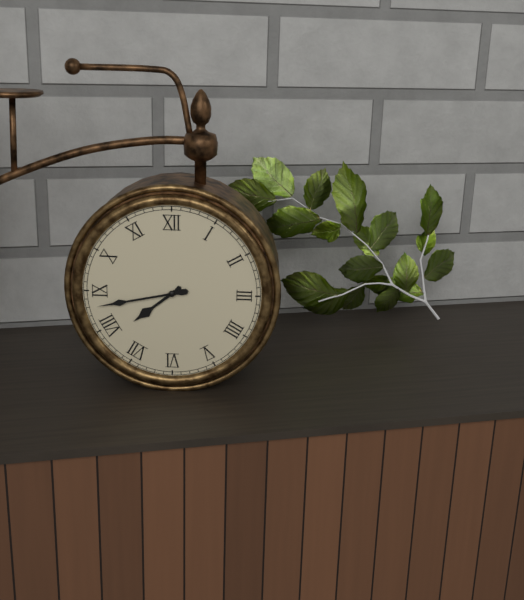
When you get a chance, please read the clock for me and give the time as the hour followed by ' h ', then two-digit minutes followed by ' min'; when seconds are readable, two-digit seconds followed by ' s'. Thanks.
7 h 43 min
